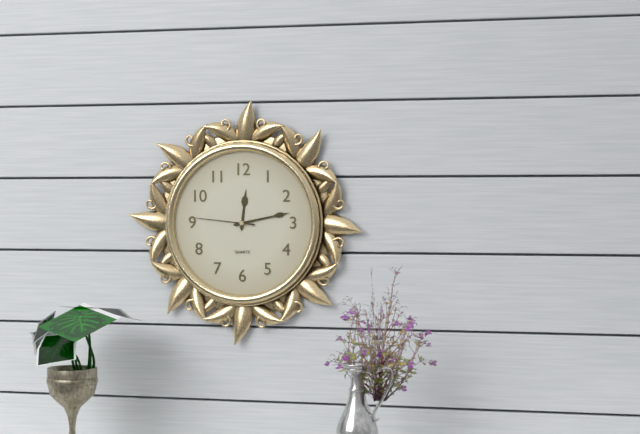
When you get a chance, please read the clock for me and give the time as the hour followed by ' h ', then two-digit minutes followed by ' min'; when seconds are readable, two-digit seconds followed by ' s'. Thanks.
12 h 13 min 46 s
